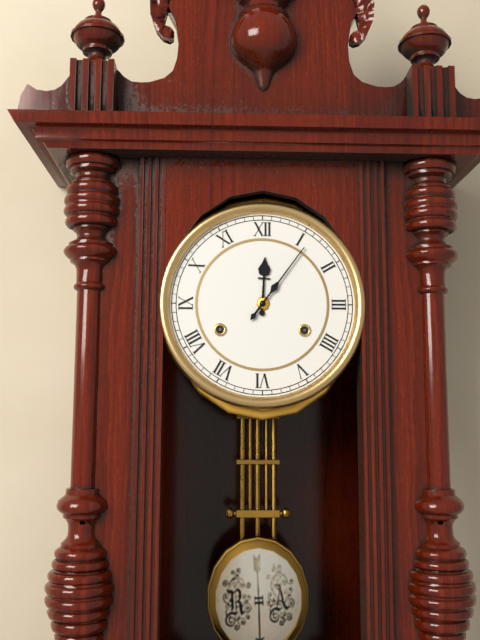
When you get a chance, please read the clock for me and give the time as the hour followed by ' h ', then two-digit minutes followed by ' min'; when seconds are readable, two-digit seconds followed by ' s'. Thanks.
12 h 06 min
